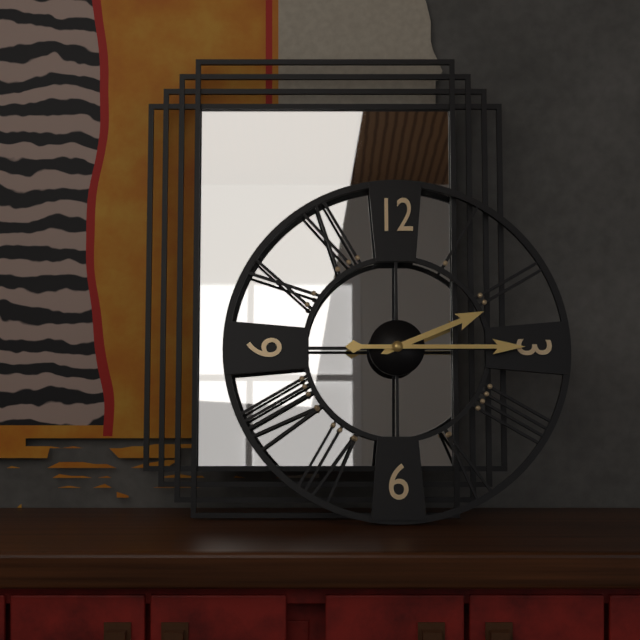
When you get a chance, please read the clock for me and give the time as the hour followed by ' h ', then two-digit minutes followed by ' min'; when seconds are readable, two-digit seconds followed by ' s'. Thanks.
2 h 15 min
